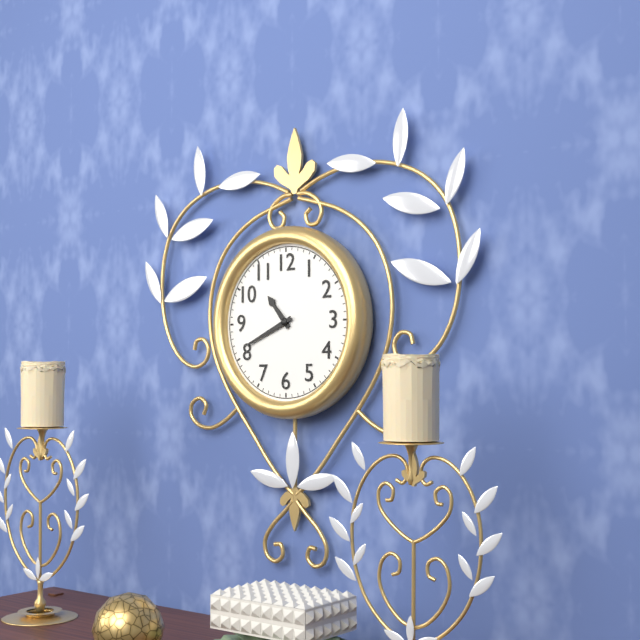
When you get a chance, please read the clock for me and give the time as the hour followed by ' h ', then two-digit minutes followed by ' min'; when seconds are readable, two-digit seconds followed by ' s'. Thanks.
10 h 41 min
